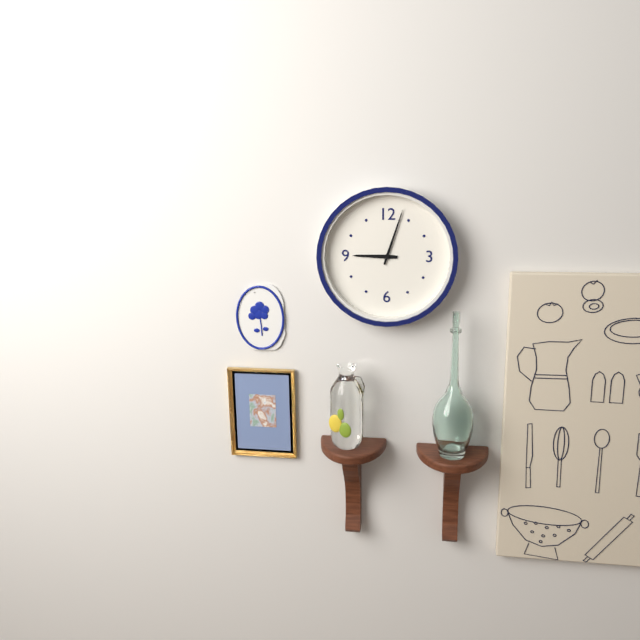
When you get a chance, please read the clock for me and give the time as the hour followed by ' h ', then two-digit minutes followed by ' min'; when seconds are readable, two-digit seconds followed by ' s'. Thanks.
9 h 03 min
